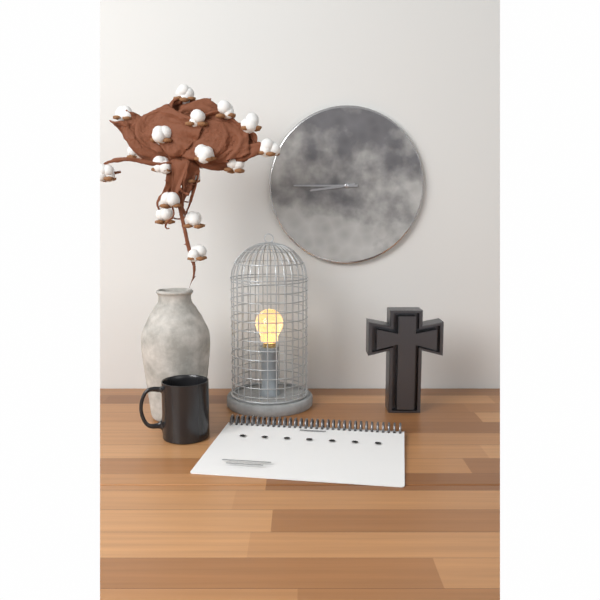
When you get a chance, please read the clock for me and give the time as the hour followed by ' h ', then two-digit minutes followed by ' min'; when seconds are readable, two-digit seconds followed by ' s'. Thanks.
8 h 45 min
